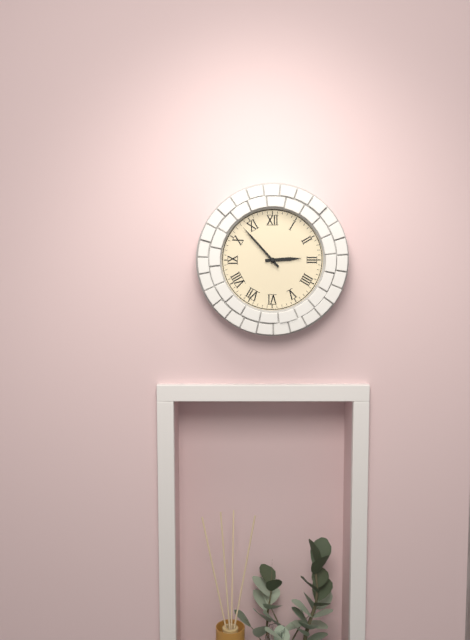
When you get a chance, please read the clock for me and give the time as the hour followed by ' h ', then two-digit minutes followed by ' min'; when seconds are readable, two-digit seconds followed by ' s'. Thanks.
2 h 53 min
